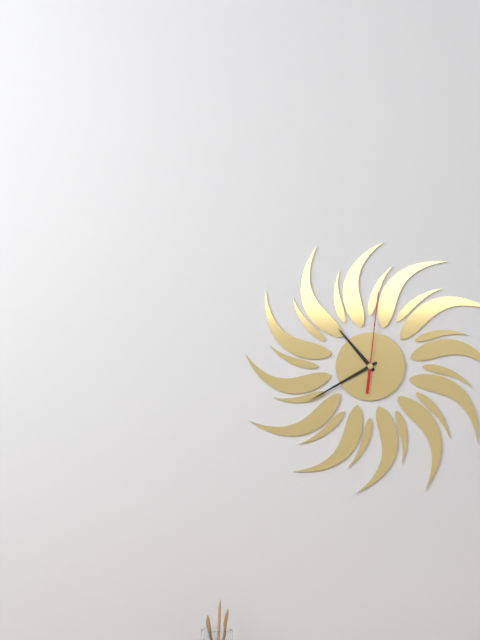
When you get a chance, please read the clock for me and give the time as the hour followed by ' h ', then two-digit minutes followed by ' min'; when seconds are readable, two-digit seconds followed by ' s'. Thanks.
10 h 40 min 01 s
